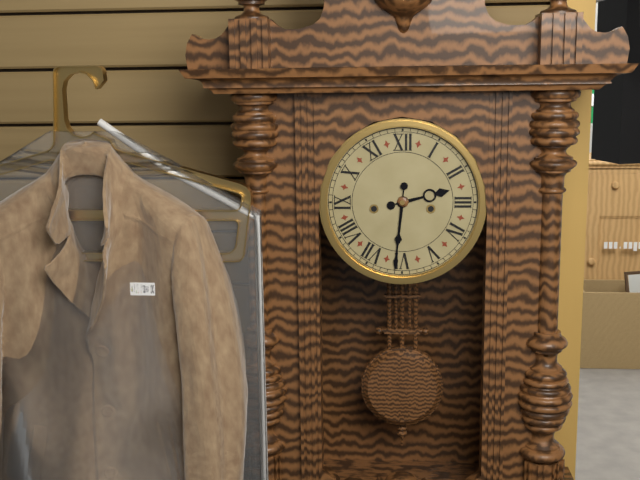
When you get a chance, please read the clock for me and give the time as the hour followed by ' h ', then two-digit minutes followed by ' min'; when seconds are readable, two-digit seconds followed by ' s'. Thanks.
2 h 31 min
